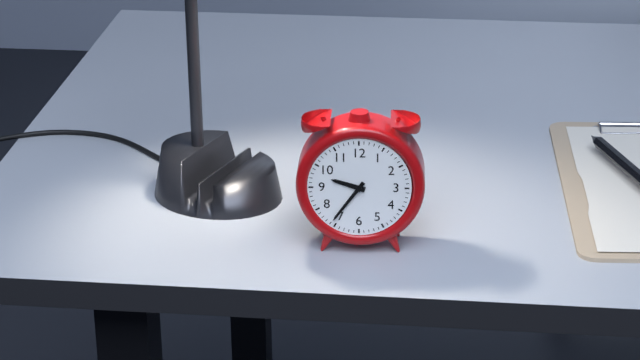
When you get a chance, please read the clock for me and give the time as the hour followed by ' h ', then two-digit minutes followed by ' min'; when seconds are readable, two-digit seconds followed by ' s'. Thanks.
9 h 36 min
